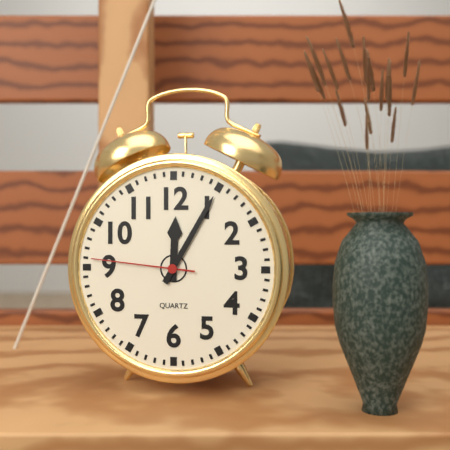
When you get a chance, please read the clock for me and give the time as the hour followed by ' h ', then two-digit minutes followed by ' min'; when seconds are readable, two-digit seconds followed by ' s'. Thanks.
12 h 05 min 46 s
